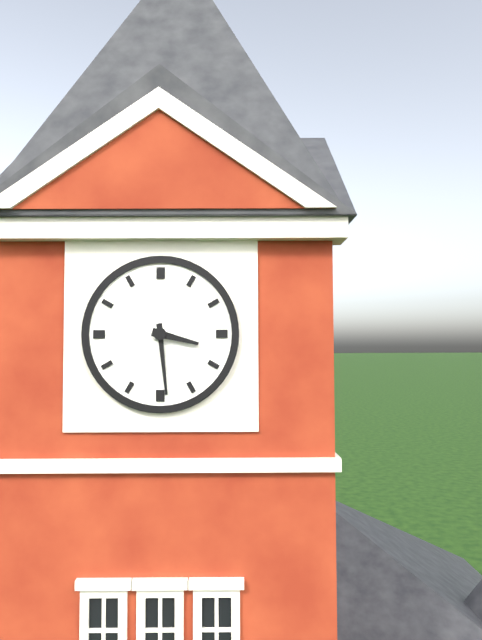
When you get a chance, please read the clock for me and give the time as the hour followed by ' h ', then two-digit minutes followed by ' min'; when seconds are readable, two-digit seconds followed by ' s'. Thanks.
3 h 29 min
